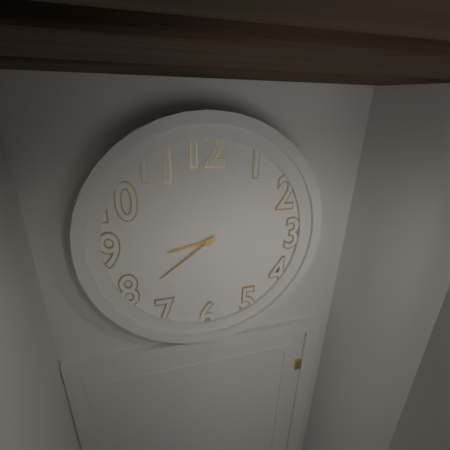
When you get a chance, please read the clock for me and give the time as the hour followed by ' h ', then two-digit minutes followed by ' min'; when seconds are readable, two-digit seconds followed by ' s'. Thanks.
8 h 39 min
